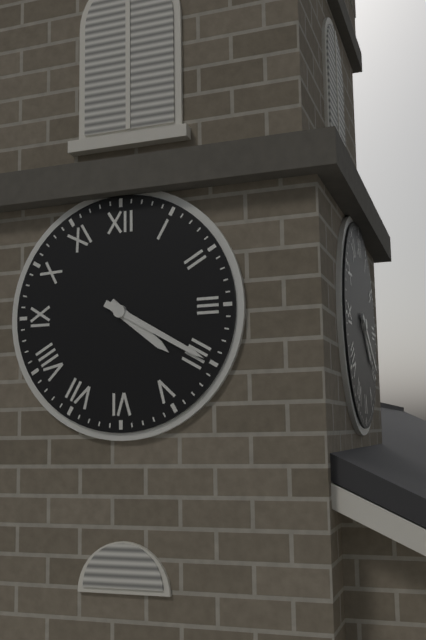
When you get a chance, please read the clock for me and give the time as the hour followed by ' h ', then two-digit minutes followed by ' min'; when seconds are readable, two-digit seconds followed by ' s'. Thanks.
4 h 20 min
